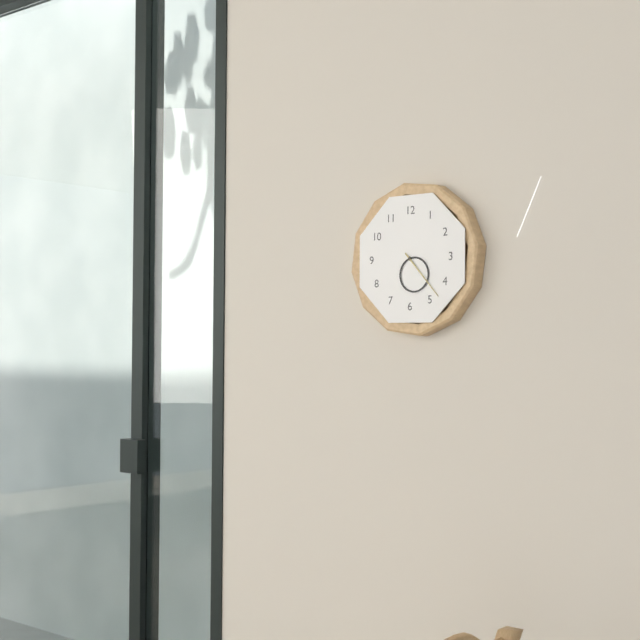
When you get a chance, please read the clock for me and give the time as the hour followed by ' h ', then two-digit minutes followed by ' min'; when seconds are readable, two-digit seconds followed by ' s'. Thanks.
5 h 23 min
